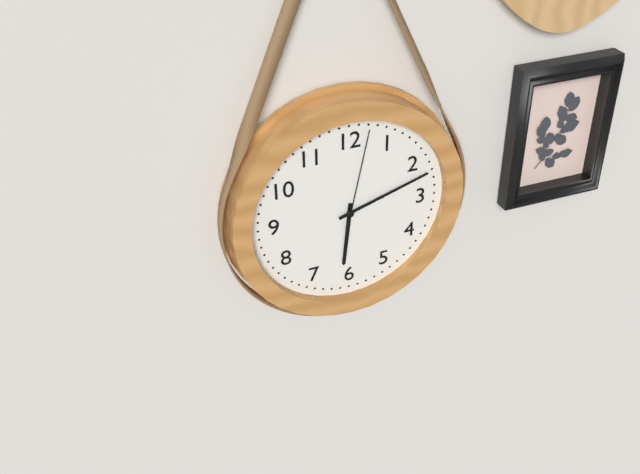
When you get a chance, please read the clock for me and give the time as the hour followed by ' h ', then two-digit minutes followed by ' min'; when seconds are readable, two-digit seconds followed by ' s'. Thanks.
6 h 12 min 02 s
